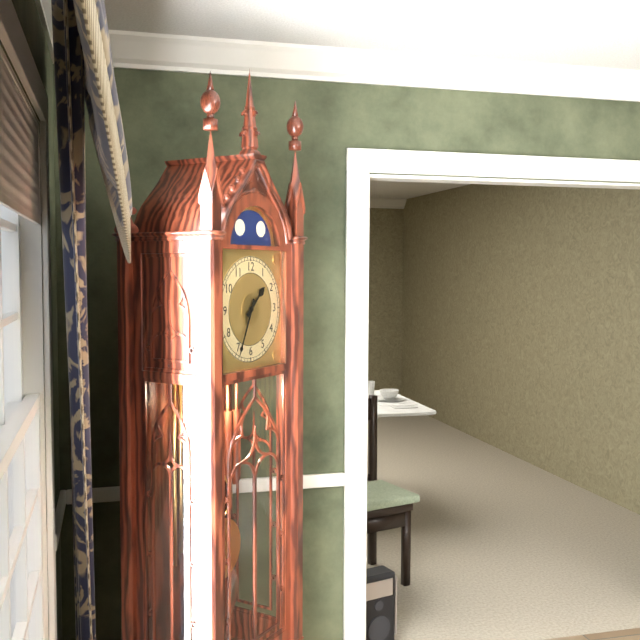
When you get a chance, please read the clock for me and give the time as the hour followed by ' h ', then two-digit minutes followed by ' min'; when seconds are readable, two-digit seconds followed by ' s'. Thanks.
1 h 34 min
